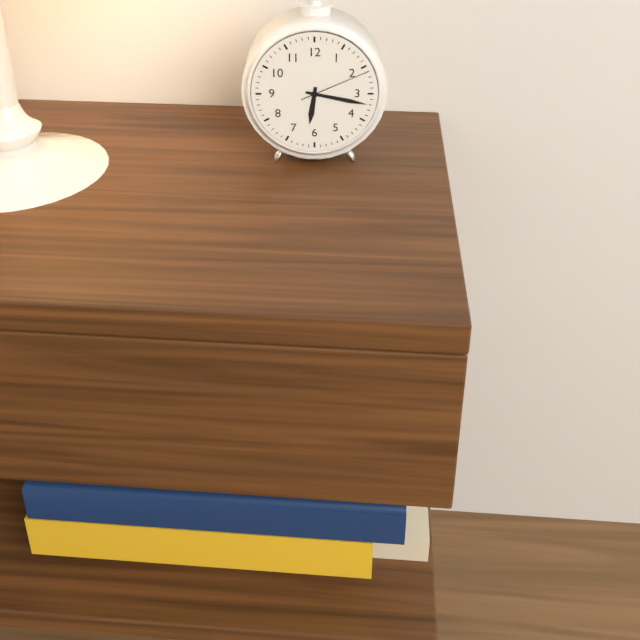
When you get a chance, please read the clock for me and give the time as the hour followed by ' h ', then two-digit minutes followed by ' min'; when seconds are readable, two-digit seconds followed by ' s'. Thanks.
6 h 17 min 11 s
